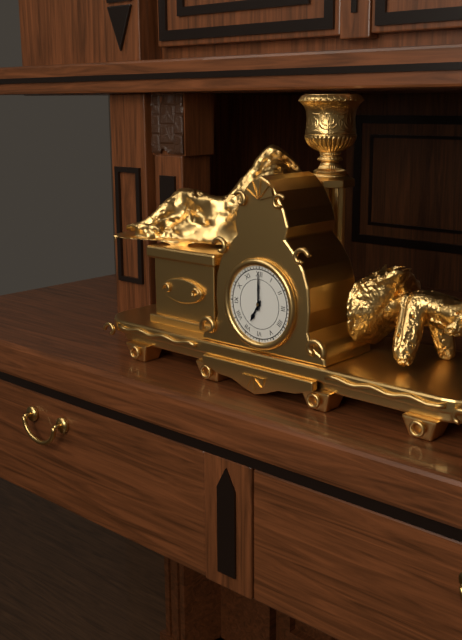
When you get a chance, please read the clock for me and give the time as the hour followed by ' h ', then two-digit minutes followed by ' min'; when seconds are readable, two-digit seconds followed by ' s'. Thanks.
7 h 00 min
